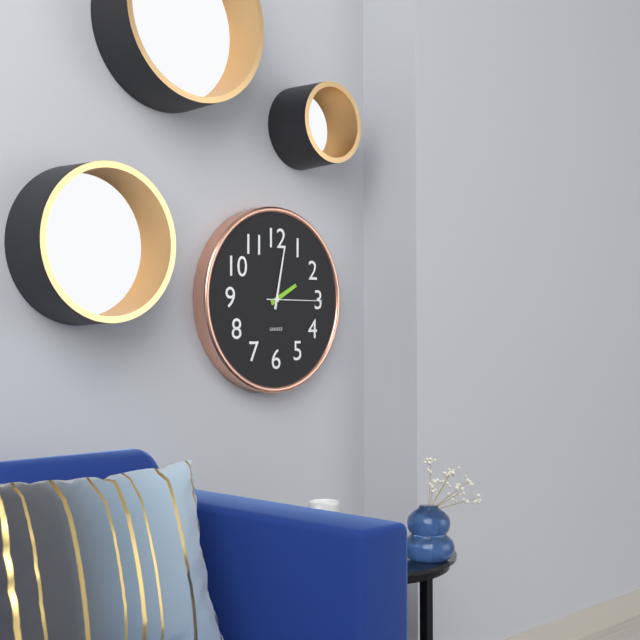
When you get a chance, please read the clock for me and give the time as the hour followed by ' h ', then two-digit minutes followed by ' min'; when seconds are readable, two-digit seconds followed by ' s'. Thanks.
2 h 02 min 15 s
